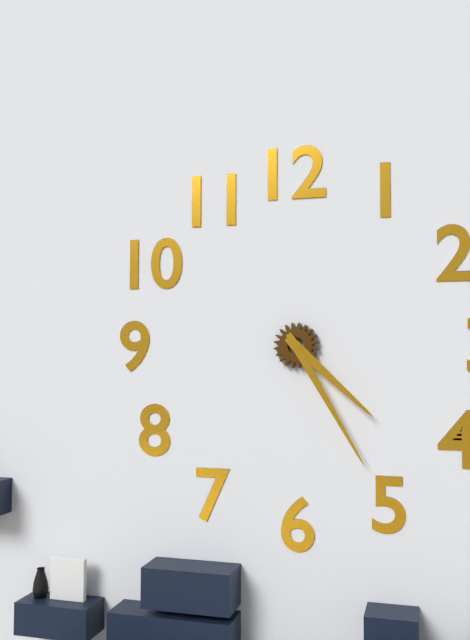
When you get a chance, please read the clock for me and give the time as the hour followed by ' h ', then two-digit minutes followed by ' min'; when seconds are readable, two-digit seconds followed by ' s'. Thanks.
4 h 25 min
